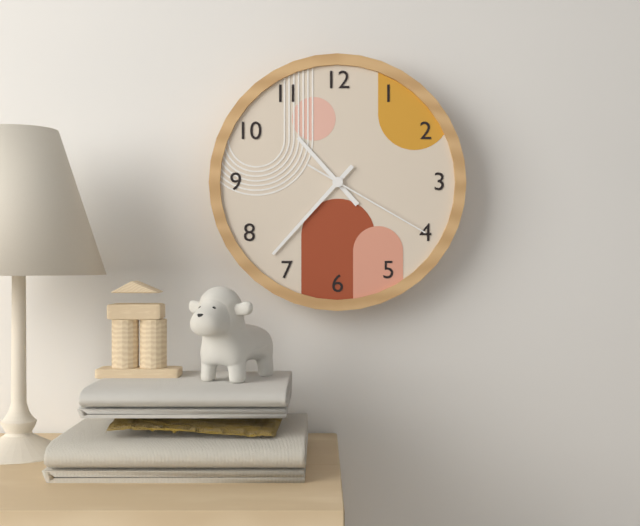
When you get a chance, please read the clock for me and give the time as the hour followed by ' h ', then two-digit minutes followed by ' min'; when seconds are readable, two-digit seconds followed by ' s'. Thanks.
10 h 37 min 20 s
